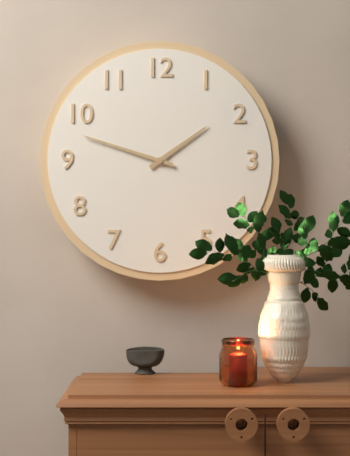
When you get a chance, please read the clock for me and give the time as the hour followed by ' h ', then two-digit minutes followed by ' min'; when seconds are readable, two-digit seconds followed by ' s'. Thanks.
1 h 48 min
